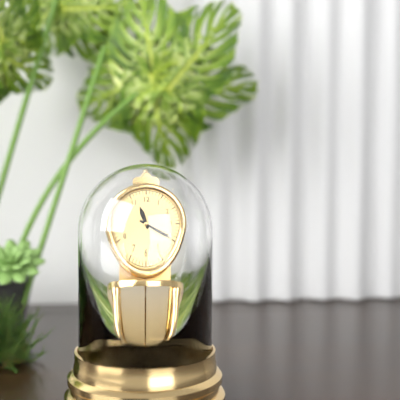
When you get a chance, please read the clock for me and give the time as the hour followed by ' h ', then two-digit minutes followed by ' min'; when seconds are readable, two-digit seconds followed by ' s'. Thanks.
11 h 20 min
